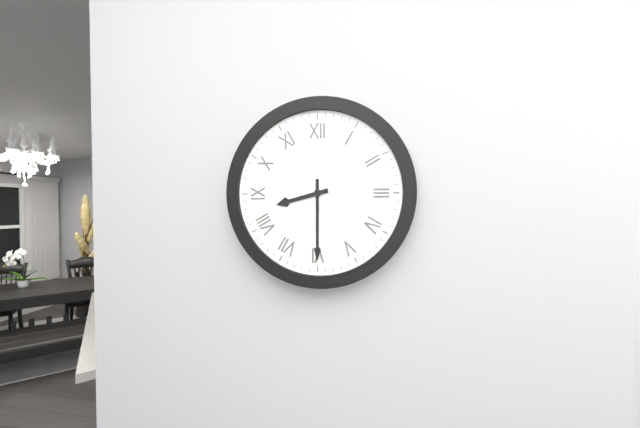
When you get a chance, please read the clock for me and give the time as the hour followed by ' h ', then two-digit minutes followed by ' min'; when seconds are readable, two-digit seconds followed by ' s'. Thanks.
8 h 30 min
